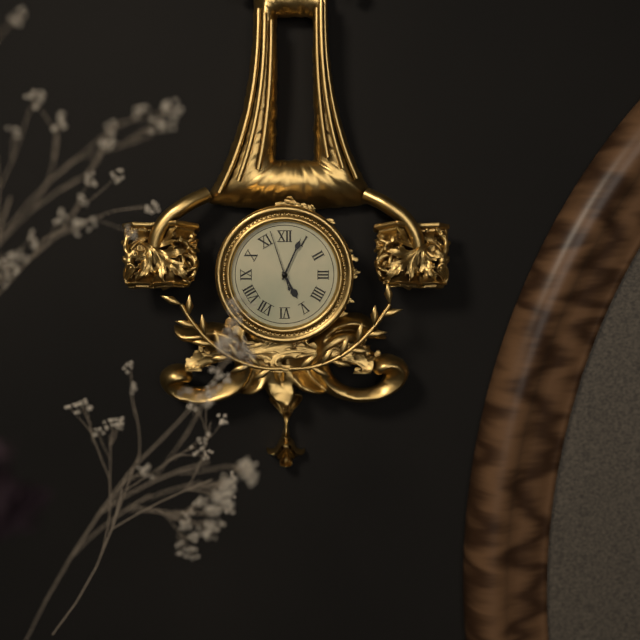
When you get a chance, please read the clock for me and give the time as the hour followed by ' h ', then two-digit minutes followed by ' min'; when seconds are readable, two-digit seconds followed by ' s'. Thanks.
5 h 04 min 57 s
